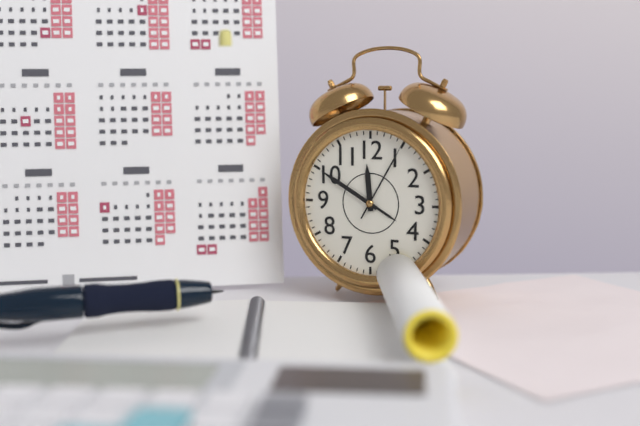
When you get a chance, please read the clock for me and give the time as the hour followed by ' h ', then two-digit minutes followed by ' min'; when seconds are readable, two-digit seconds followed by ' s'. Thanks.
11 h 50 min 05 s
